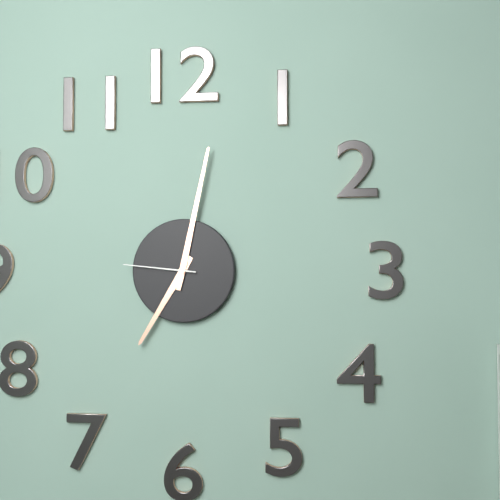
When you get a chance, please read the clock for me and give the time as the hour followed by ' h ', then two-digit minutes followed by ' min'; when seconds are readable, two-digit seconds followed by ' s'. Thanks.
7 h 02 min 46 s
